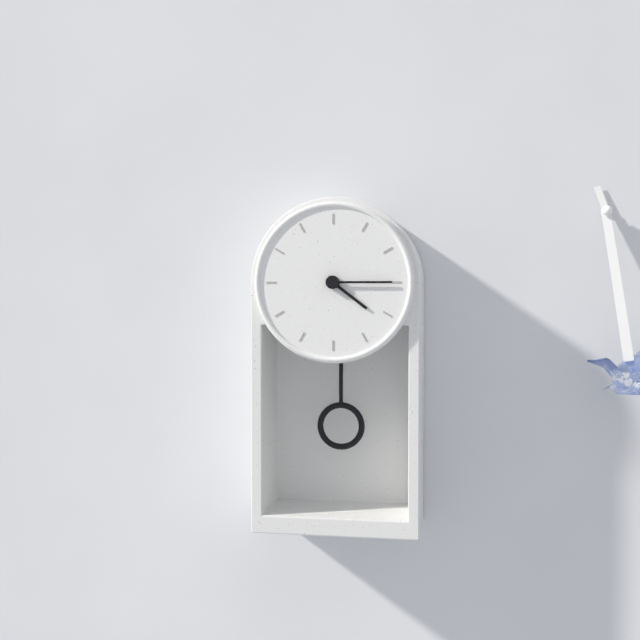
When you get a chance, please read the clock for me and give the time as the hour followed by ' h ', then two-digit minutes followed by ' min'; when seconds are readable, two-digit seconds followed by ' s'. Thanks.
4 h 15 min
